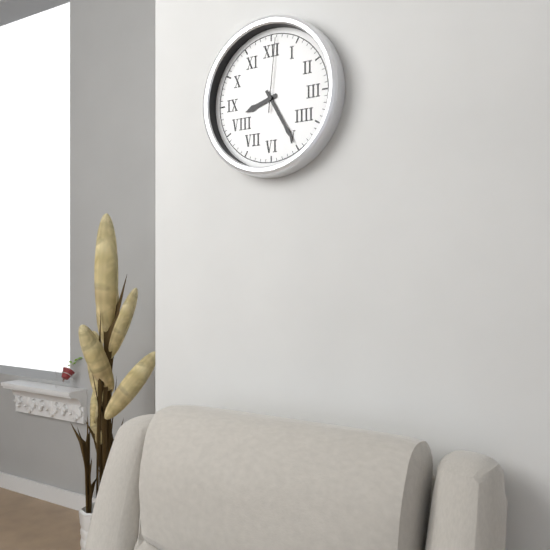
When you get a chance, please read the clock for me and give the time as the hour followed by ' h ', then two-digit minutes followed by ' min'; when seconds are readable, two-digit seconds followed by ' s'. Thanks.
8 h 25 min 01 s
